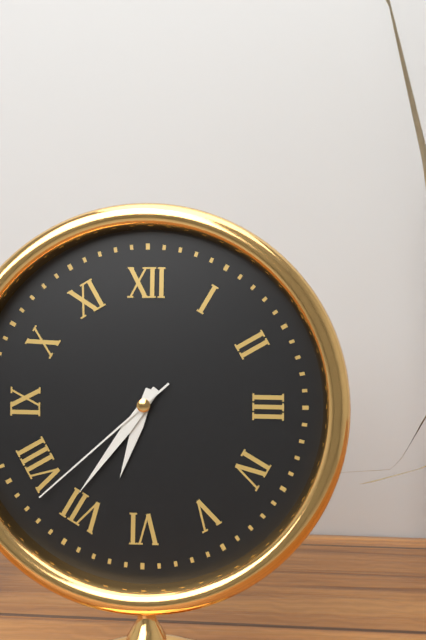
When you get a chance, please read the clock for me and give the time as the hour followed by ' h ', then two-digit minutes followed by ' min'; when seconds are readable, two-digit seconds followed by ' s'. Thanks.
6 h 36 min 38 s
